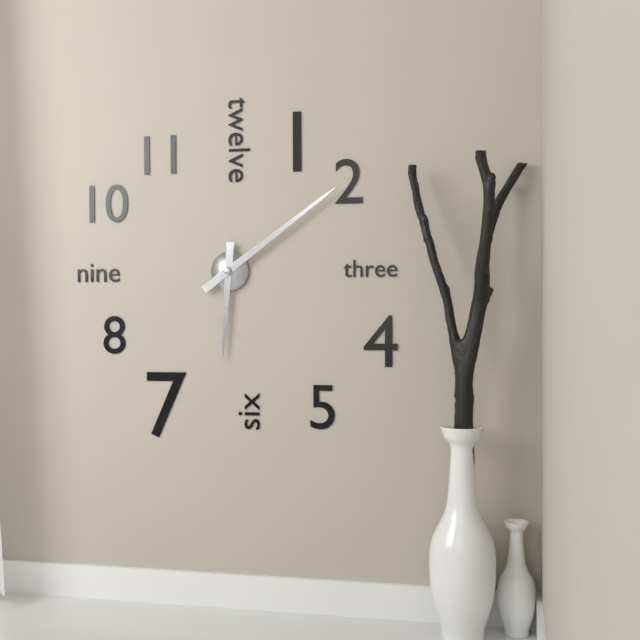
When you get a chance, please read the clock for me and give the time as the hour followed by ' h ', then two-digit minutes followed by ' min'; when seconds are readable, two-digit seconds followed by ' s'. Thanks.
6 h 09 min
